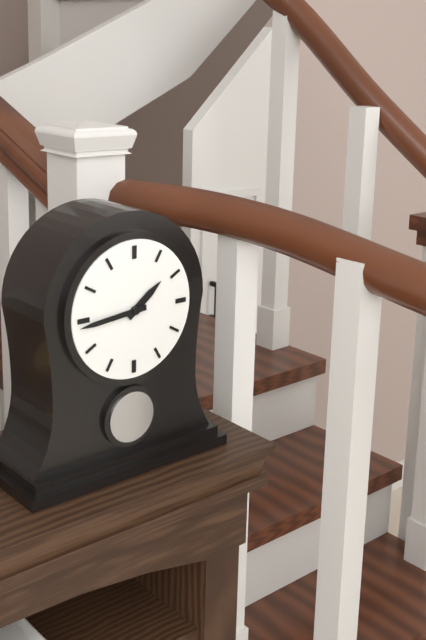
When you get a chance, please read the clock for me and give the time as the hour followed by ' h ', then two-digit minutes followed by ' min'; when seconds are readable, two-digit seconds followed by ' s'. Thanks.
1 h 44 min
